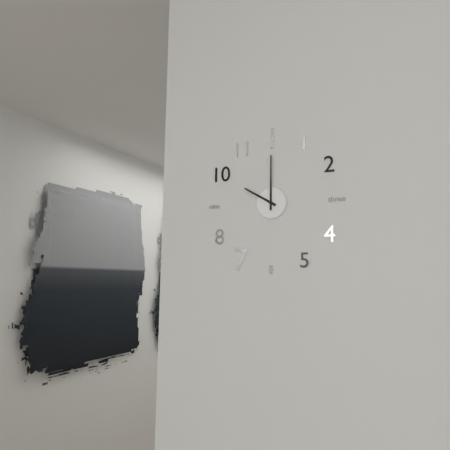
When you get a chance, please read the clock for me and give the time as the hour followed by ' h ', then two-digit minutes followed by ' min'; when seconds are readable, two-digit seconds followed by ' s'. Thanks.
10 h 00 min
